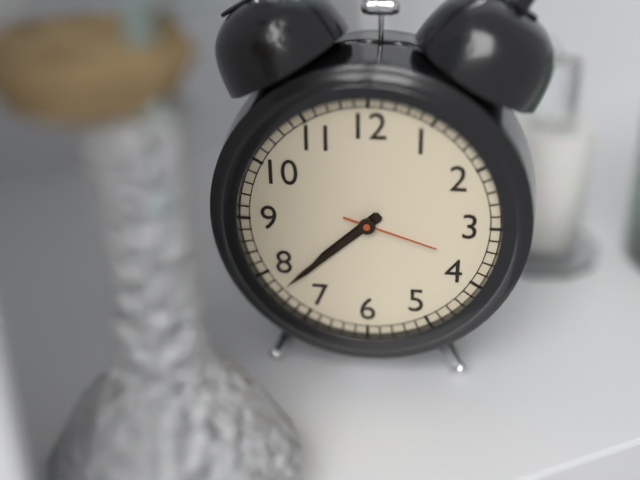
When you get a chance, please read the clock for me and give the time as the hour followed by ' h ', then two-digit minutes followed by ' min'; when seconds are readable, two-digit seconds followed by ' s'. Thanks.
7 h 38 min 18 s
